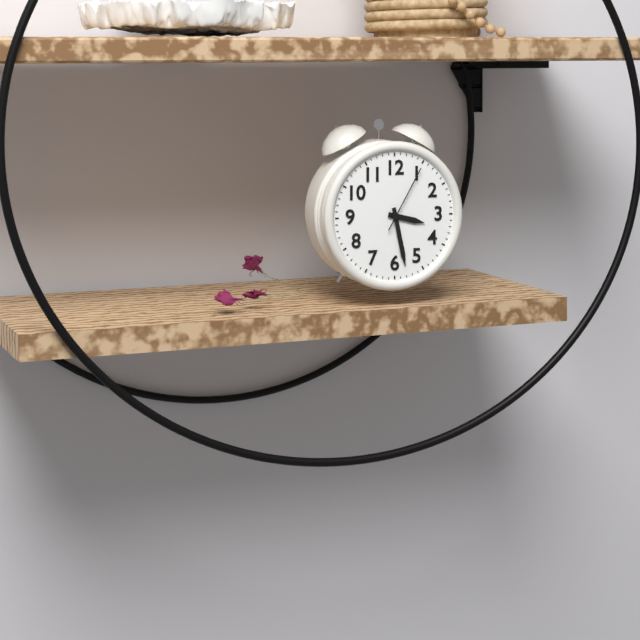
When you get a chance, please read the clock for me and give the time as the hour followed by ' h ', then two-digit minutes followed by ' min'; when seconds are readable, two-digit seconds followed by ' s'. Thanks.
3 h 28 min 05 s
